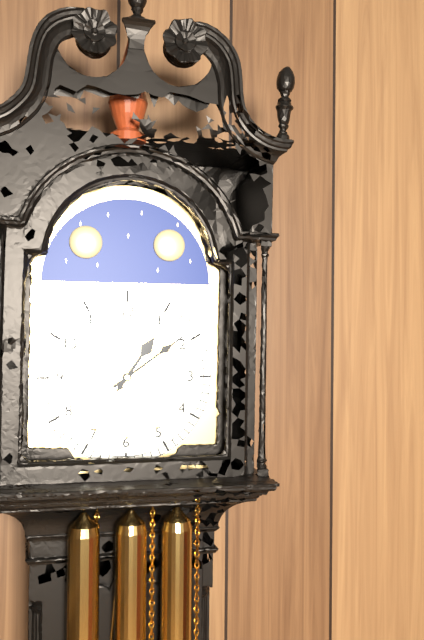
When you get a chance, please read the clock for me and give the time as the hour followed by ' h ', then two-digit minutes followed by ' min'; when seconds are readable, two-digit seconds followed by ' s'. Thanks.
1 h 09 min
